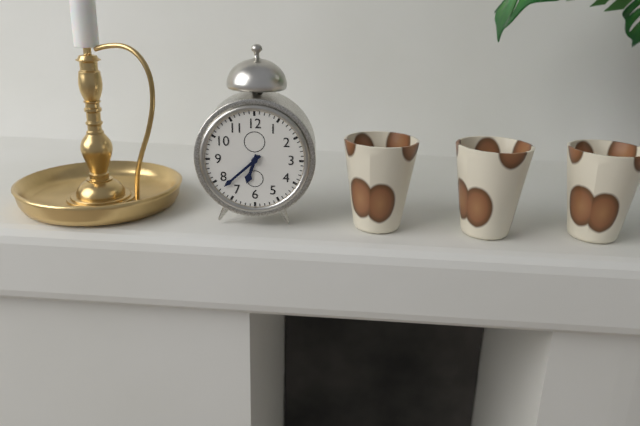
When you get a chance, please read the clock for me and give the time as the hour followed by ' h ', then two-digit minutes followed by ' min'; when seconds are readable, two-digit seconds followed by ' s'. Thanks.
6 h 38 min
